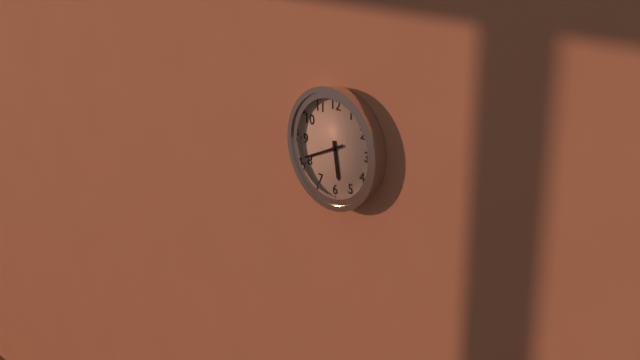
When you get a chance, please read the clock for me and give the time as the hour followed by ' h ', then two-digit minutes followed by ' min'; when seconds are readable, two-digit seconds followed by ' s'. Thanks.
5 h 41 min
